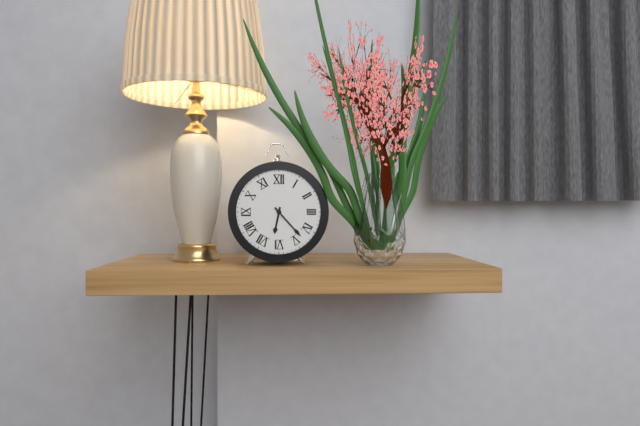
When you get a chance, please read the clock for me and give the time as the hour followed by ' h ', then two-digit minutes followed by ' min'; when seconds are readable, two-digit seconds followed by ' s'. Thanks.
6 h 23 min
